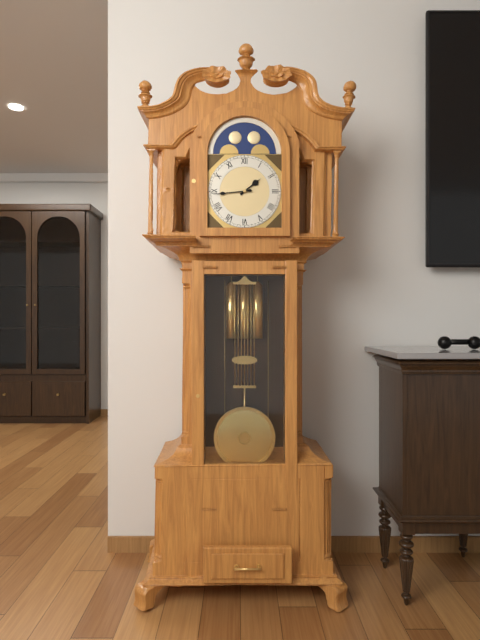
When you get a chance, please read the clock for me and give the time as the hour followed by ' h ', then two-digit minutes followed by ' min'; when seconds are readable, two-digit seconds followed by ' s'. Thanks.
1 h 44 min
